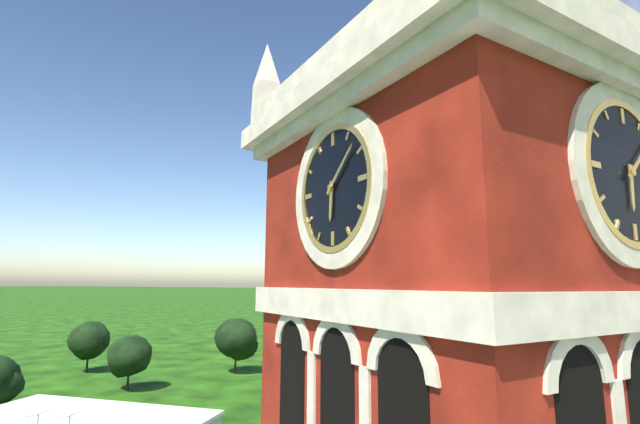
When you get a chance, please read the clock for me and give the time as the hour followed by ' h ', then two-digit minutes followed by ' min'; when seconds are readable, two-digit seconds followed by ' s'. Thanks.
6 h 08 min
